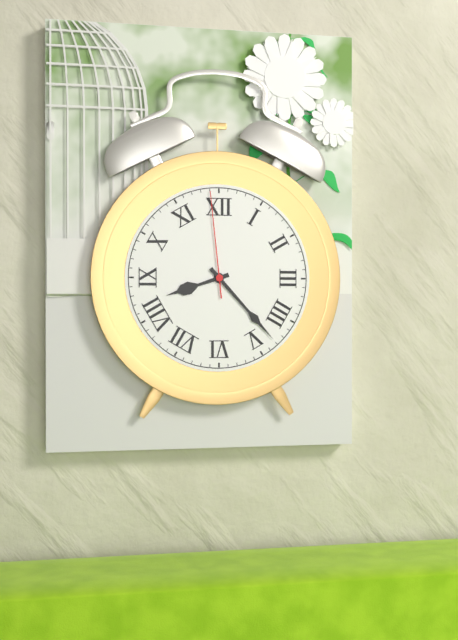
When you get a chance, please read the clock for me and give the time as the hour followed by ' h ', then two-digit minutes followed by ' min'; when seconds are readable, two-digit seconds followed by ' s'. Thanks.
8 h 23 min 59 s
